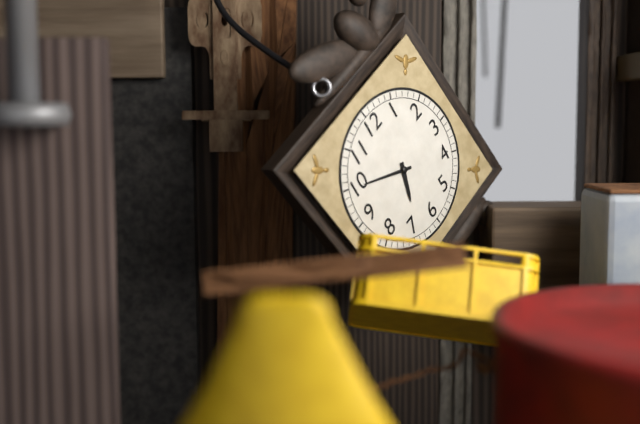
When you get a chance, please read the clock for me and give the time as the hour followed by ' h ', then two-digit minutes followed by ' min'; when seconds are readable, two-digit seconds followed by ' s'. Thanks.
6 h 50 min
